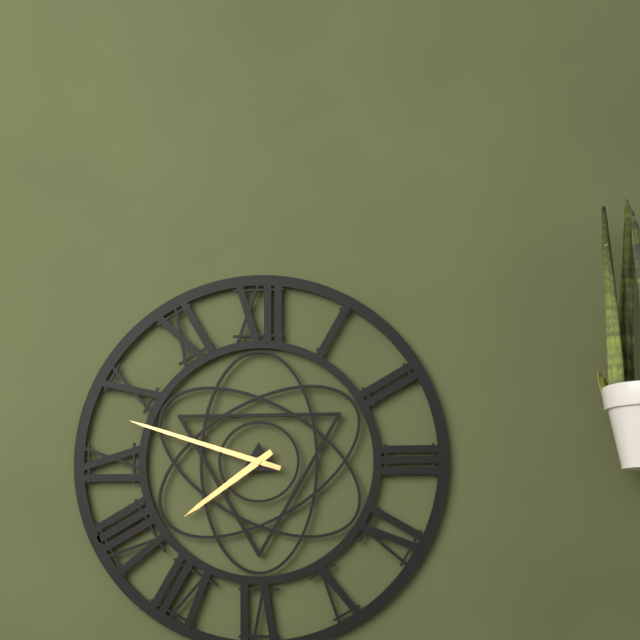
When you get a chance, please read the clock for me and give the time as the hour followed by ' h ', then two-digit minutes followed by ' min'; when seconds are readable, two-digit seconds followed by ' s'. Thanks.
7 h 48 min
